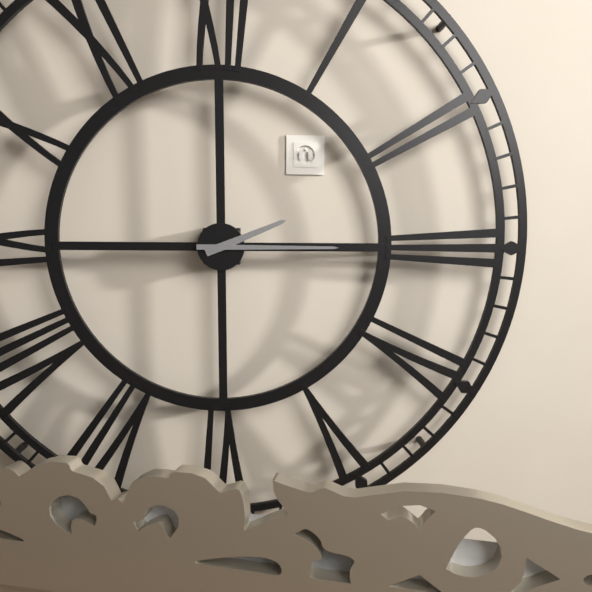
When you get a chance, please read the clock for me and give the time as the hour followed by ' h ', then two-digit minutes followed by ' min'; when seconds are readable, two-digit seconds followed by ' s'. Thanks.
2 h 15 min
